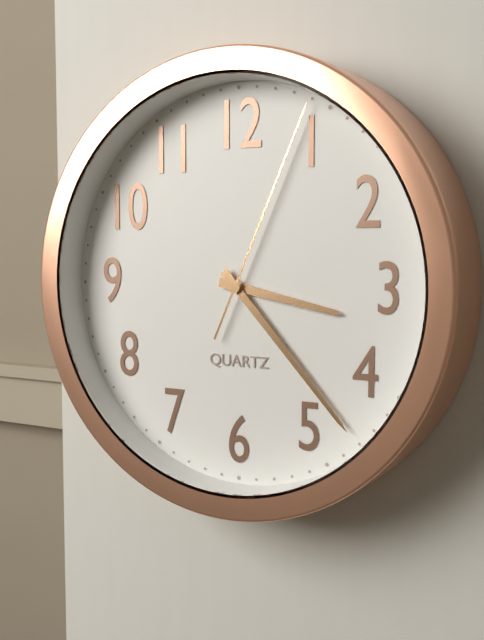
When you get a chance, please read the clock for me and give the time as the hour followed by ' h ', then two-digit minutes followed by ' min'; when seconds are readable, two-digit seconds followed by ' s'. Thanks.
3 h 23 min 04 s
